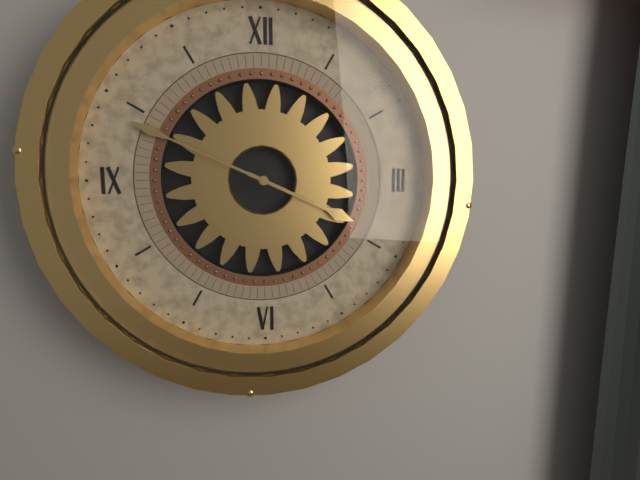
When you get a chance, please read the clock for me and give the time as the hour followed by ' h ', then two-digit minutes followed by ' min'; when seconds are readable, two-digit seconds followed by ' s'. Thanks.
3 h 49 min
